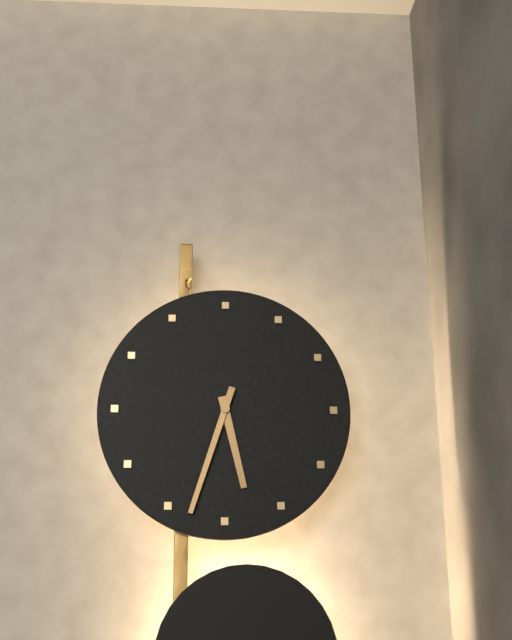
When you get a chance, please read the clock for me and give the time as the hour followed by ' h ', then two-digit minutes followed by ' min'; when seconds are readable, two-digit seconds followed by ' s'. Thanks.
5 h 33 min
